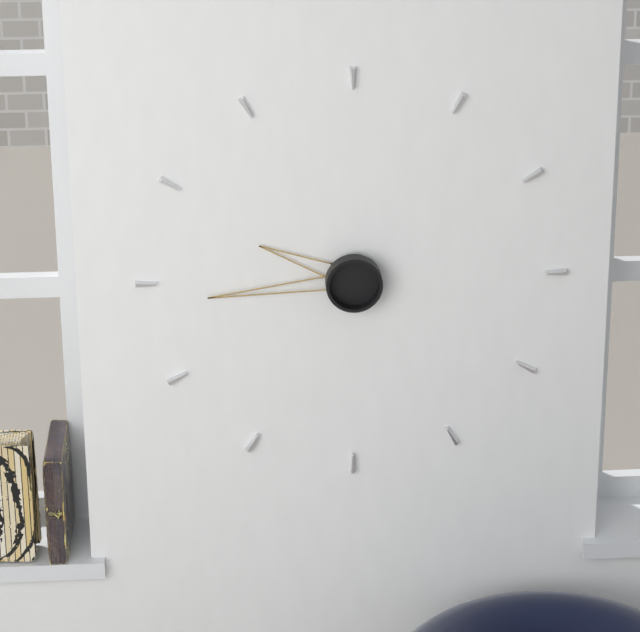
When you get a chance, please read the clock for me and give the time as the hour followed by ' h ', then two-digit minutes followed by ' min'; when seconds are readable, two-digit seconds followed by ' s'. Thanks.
9 h 44 min
